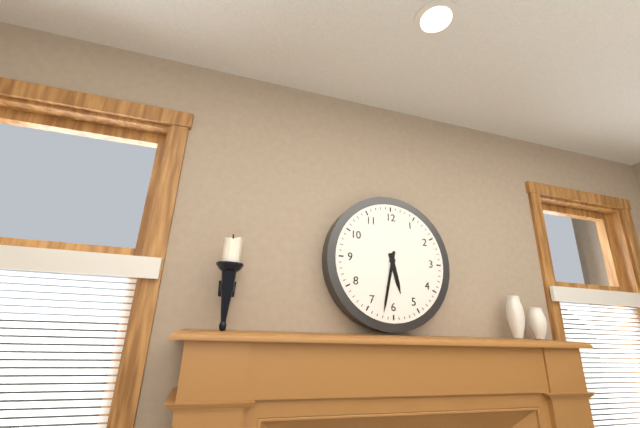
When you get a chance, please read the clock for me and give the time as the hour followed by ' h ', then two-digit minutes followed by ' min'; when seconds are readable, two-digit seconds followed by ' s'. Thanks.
5 h 32 min
